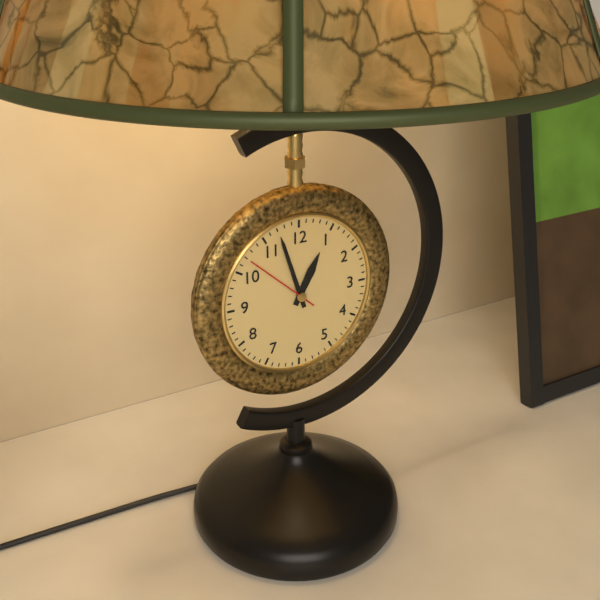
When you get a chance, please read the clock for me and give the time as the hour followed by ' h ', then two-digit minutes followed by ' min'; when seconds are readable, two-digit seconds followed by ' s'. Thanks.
12 h 57 min 52 s
